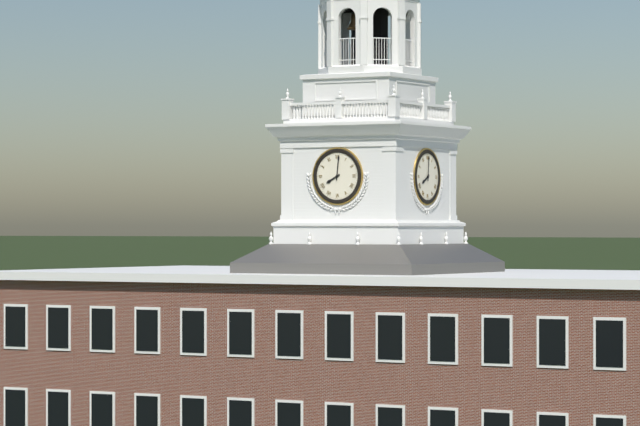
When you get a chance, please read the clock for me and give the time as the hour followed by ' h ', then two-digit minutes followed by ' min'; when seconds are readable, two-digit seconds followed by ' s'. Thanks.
8 h 01 min
